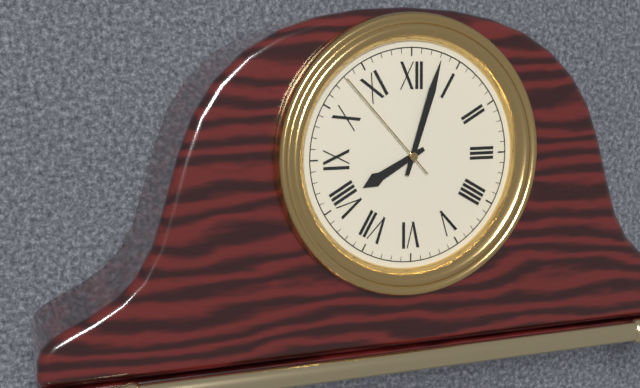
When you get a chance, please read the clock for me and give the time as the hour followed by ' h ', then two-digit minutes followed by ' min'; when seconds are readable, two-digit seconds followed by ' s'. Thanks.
8 h 03 min 53 s
